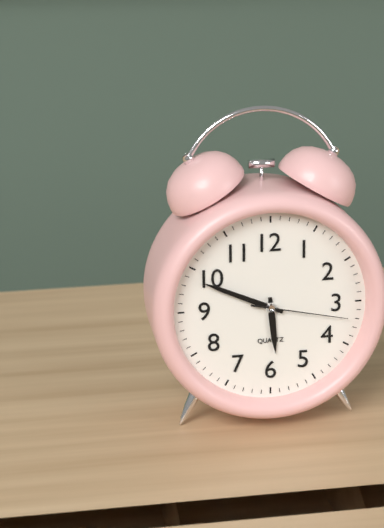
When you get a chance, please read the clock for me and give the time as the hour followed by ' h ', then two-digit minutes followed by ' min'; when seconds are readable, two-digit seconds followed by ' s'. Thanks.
5 h 49 min 17 s
